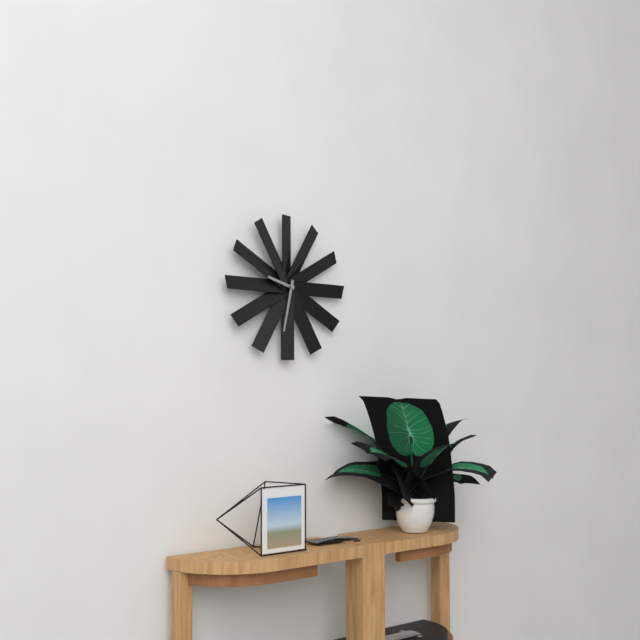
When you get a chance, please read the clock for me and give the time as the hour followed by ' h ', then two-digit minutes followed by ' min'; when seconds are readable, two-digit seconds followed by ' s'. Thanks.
9 h 32 min
